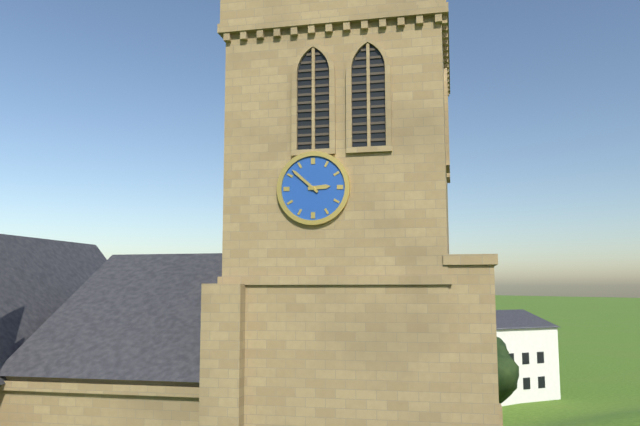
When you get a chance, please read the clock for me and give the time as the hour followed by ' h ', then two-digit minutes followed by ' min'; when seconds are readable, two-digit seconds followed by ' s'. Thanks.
2 h 52 min
